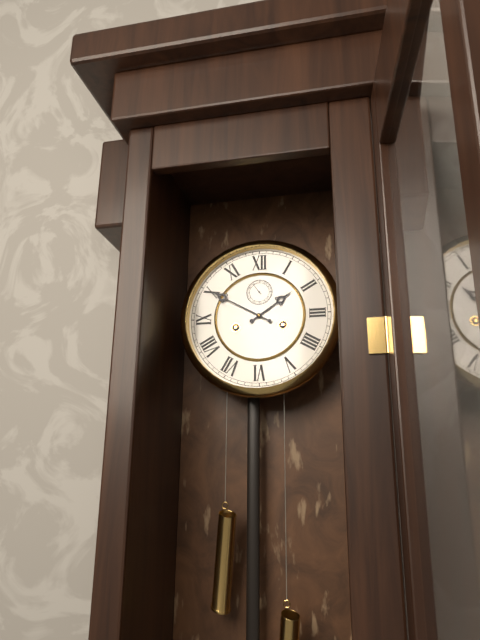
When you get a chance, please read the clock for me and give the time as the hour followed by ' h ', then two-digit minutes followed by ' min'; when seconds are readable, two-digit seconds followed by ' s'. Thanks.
1 h 50 min
